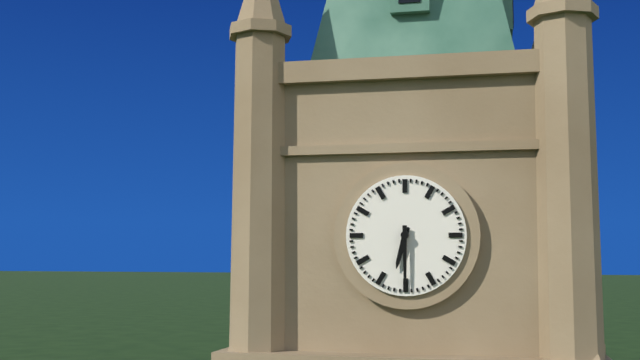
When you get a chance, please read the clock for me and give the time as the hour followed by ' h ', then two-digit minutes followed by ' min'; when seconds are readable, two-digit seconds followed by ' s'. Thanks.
6 h 30 min
